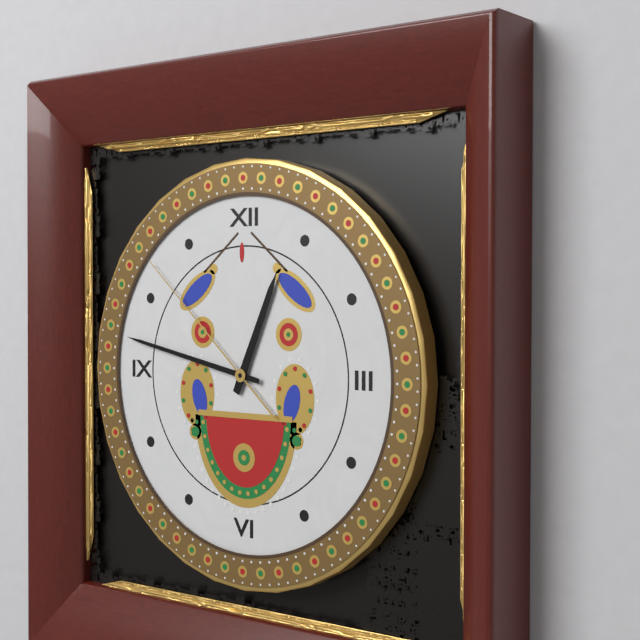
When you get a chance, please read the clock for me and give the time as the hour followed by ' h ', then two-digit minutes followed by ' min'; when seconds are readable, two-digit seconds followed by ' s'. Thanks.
12 h 47 min 52 s
